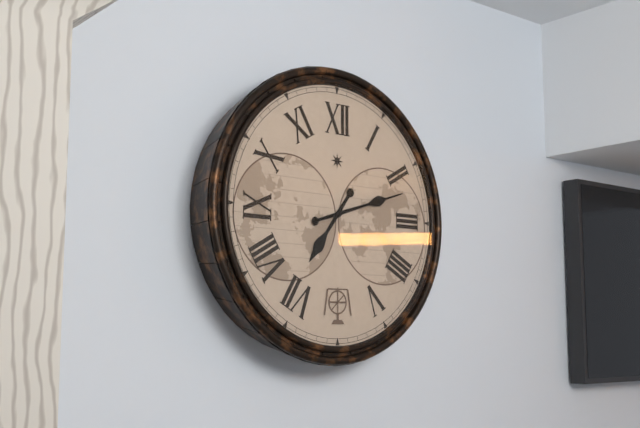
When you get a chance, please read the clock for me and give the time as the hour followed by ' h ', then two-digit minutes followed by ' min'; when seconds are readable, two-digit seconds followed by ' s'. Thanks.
7 h 12 min
